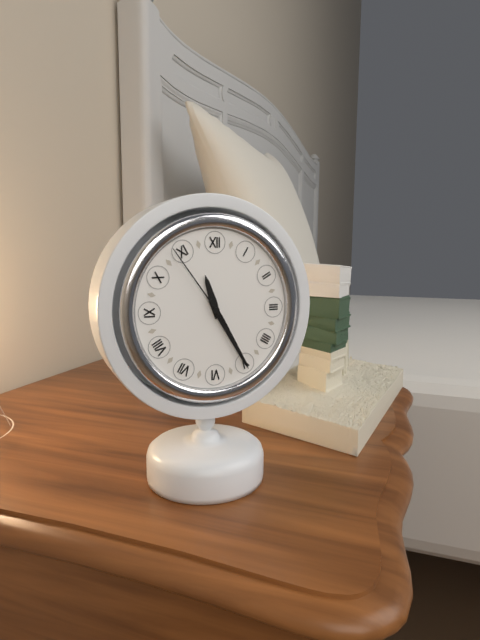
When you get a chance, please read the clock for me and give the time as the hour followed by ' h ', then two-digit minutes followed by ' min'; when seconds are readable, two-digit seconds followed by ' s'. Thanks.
11 h 25 min 54 s
